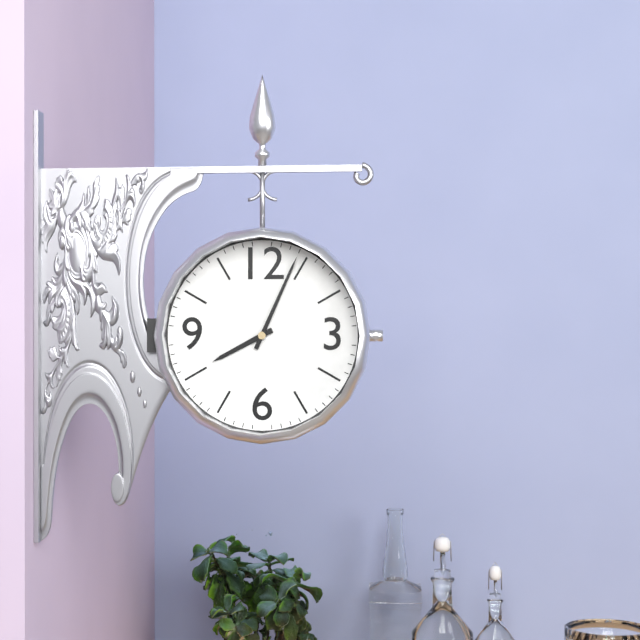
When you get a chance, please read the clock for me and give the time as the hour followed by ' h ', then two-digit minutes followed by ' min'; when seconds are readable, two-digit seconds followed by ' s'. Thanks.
8 h 04 min
